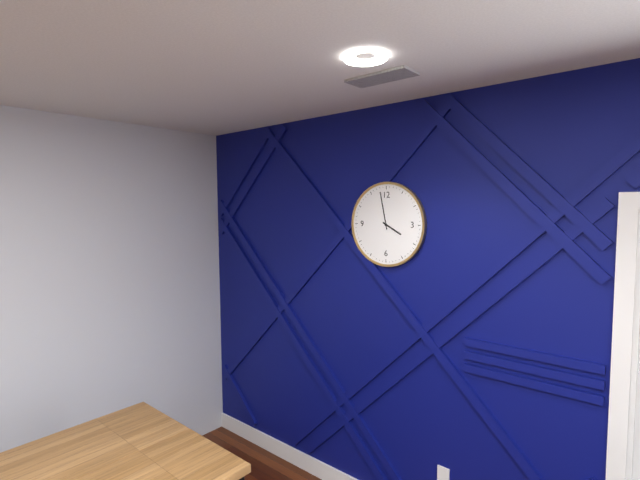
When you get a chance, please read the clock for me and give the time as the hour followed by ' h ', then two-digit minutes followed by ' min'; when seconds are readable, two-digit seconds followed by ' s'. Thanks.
3 h 58 min
